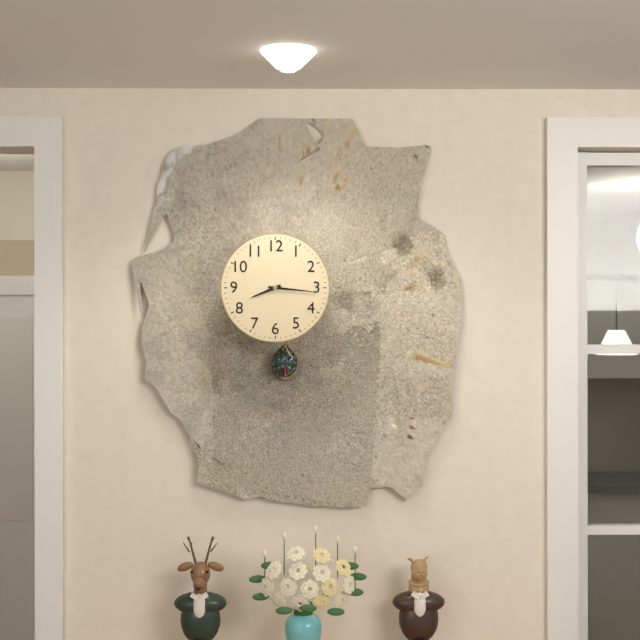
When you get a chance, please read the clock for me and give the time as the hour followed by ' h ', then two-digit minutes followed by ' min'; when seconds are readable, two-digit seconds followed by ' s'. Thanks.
8 h 16 min
